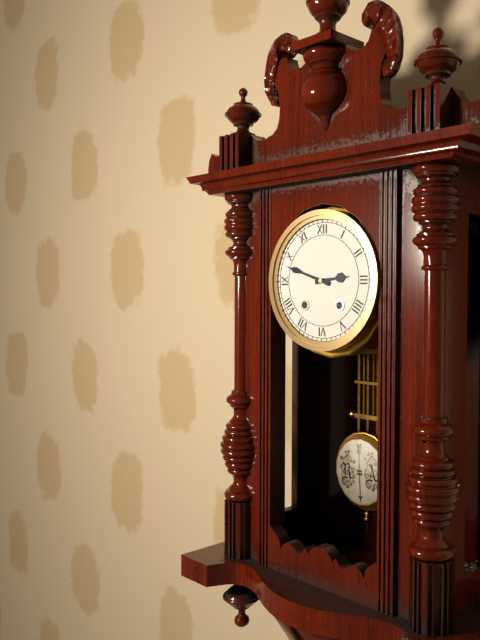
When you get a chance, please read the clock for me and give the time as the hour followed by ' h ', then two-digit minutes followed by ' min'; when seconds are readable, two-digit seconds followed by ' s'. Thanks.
2 h 48 min
